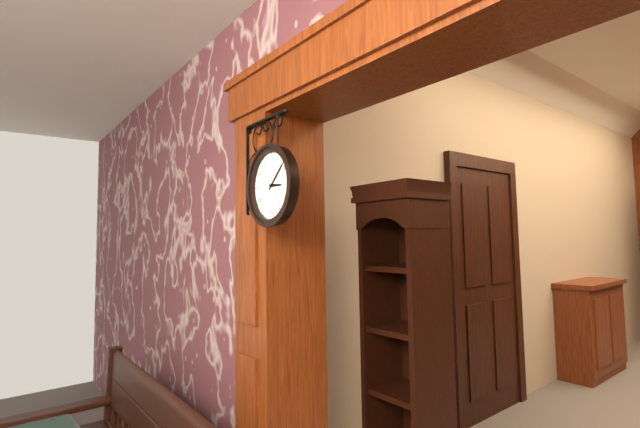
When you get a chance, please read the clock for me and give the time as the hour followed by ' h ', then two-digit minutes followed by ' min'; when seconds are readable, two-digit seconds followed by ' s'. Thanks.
3 h 08 min
